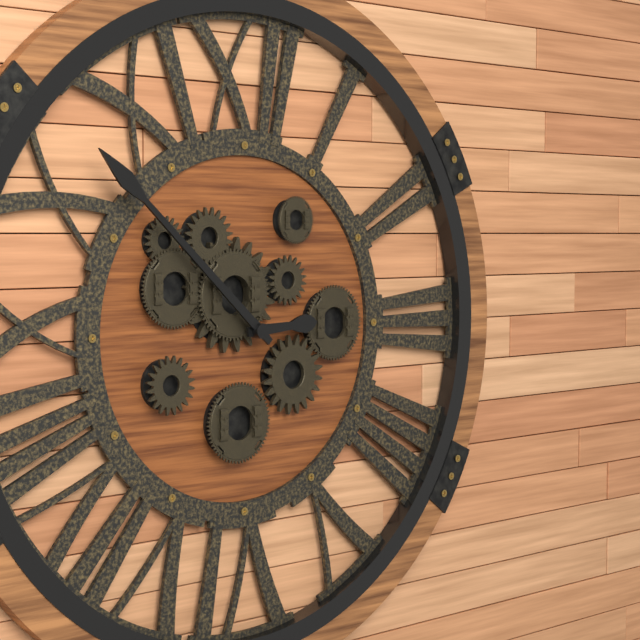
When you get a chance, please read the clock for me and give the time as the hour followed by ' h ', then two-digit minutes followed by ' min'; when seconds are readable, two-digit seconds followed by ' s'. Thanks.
2 h 52 min
